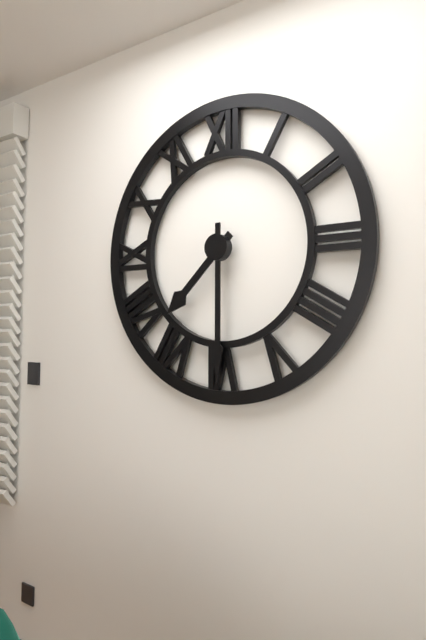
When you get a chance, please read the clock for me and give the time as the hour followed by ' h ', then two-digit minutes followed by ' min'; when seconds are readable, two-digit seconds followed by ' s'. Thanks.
7 h 30 min
